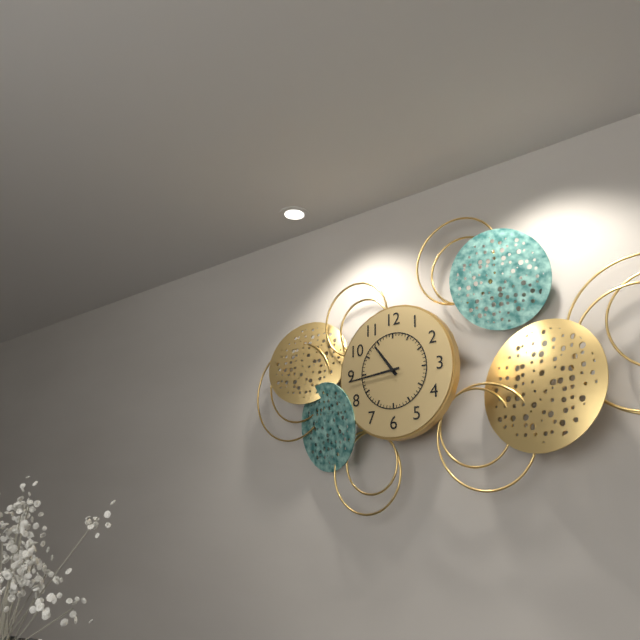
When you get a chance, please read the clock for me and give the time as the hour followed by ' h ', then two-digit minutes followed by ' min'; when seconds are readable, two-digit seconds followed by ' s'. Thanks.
10 h 44 min
